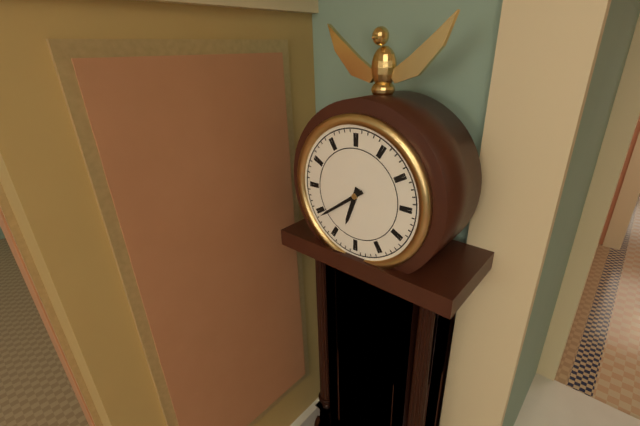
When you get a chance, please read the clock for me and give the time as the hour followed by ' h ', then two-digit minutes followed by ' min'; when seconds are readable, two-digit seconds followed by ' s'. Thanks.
6 h 39 min
